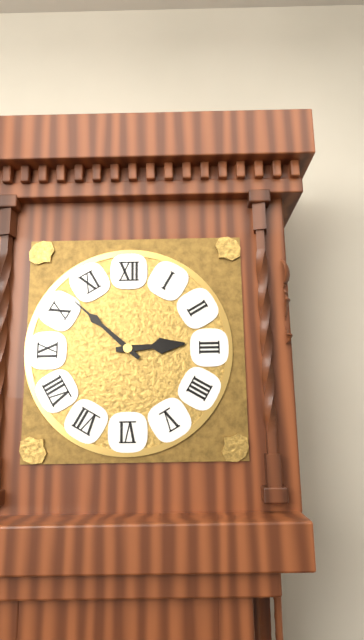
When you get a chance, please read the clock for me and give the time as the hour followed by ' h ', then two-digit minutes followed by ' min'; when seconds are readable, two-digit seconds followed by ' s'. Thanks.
2 h 52 min
